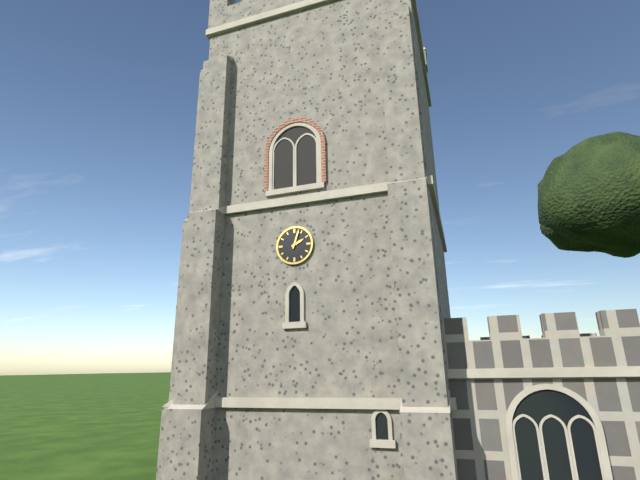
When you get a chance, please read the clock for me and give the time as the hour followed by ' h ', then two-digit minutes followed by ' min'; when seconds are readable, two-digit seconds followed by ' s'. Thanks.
2 h 03 min
